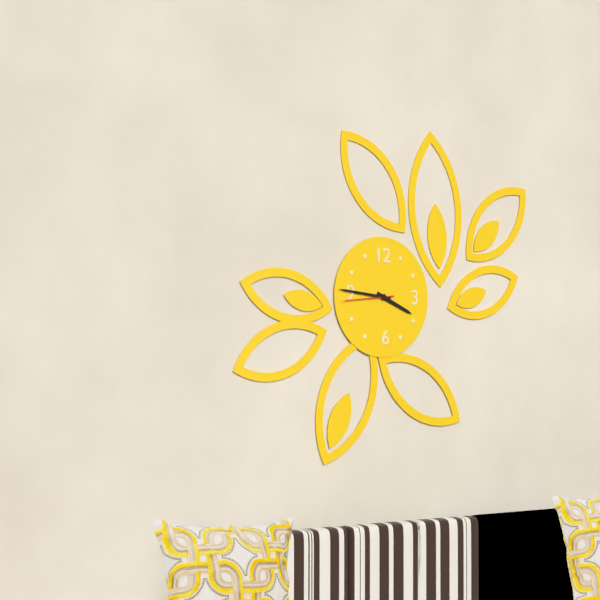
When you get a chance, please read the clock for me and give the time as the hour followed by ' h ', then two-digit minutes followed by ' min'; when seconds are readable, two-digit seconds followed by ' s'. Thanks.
3 h 46 min 44 s
